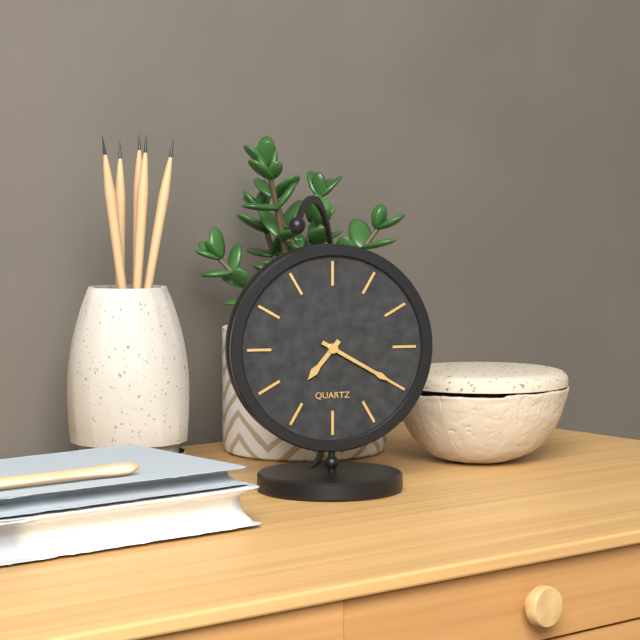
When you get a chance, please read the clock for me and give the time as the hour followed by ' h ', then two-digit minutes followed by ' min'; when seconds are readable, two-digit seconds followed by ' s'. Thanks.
7 h 20 min
